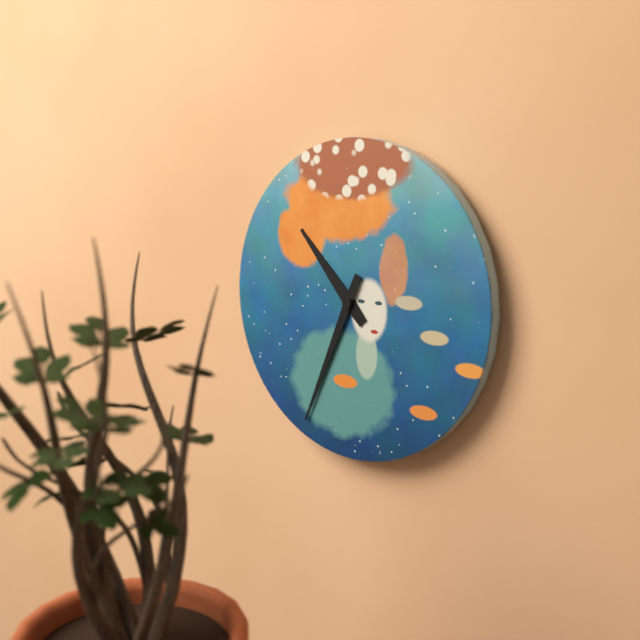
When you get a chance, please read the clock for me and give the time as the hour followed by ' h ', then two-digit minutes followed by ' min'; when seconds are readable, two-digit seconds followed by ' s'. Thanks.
10 h 34 min
